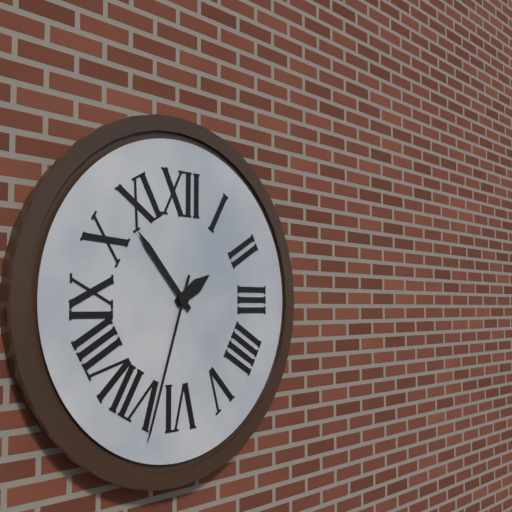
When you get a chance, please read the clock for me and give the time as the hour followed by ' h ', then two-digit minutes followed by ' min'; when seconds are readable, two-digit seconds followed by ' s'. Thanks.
1 h 53 min 33 s
